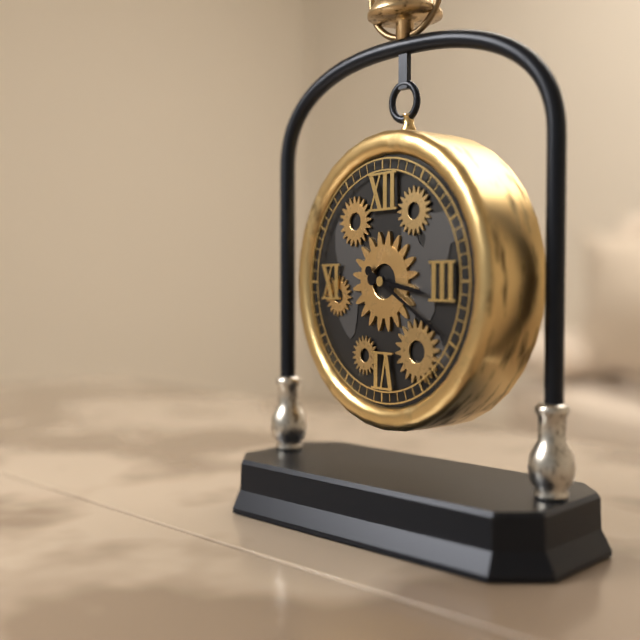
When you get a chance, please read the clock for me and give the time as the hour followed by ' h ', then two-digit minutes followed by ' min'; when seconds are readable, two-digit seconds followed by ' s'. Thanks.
3 h 20 min
